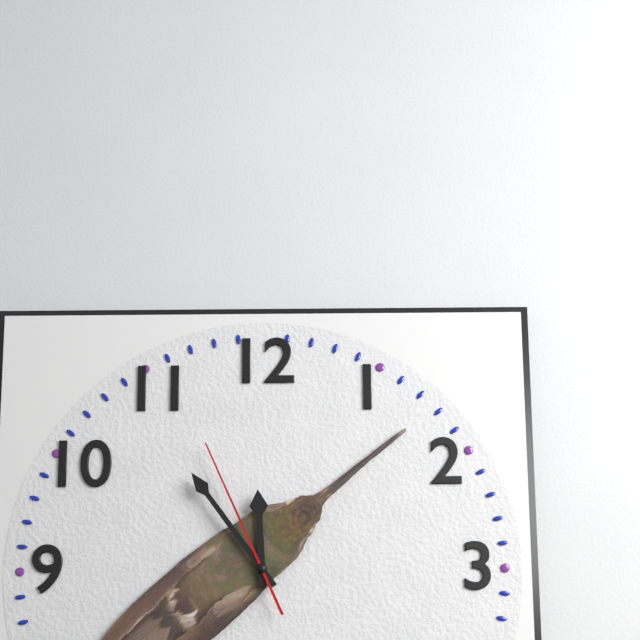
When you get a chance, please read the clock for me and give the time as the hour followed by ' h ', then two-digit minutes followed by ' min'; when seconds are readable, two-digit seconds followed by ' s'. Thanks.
11 h 54 min 56 s
